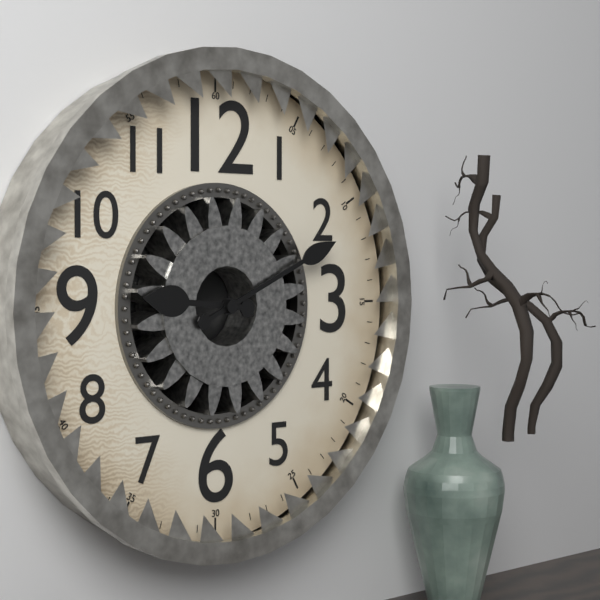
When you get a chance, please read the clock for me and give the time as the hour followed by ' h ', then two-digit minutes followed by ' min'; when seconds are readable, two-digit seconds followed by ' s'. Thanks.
9 h 11 min
